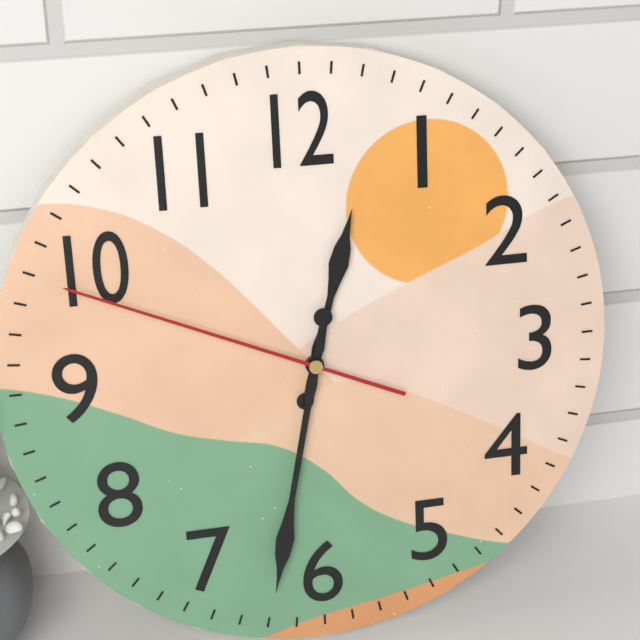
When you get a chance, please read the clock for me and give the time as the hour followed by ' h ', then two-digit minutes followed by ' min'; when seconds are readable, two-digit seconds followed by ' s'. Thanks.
12 h 32 min 49 s
